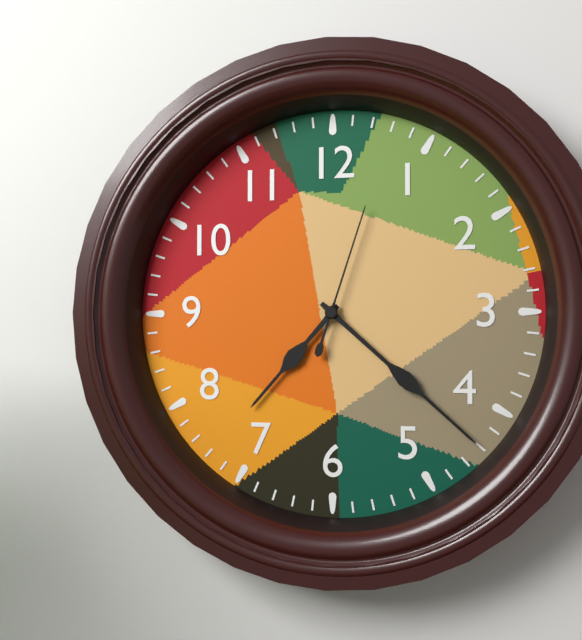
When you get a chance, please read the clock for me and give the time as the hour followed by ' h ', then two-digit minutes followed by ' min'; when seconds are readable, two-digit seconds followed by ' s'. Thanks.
7 h 22 min 03 s
